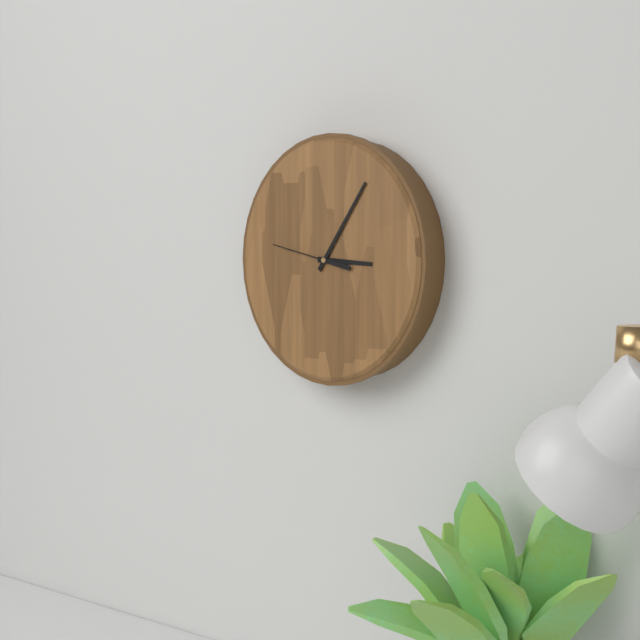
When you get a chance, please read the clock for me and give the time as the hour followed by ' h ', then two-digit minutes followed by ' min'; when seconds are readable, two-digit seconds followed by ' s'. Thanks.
3 h 06 min 47 s
